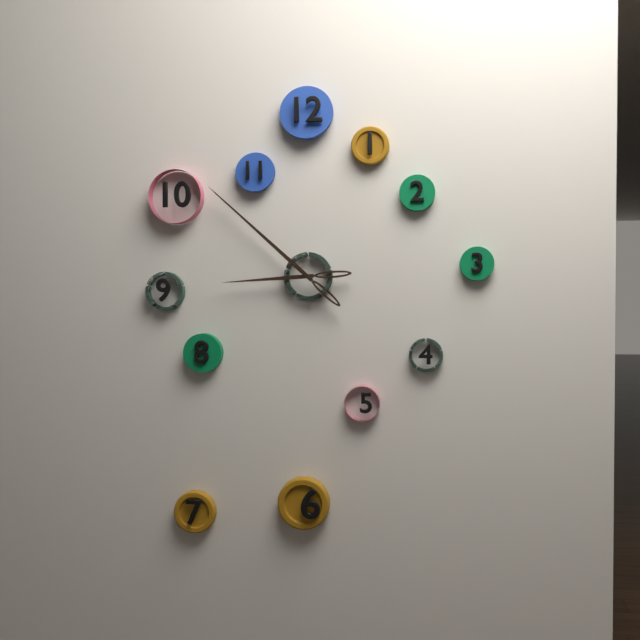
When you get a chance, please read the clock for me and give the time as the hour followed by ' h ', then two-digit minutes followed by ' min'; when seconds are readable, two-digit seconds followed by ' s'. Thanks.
8 h 52 min
